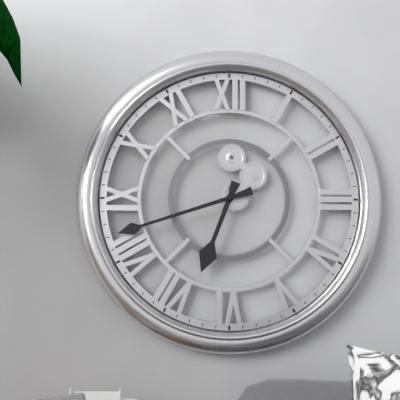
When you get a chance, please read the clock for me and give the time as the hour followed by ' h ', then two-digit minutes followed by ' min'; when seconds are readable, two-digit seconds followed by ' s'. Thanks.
6 h 42 min
